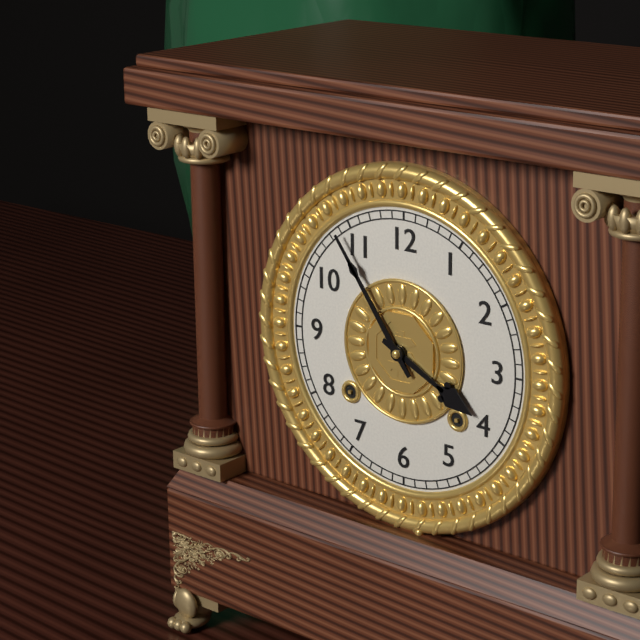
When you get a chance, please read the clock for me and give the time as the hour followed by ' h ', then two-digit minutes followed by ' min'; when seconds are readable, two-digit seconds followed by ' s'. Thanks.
3 h 54 min
